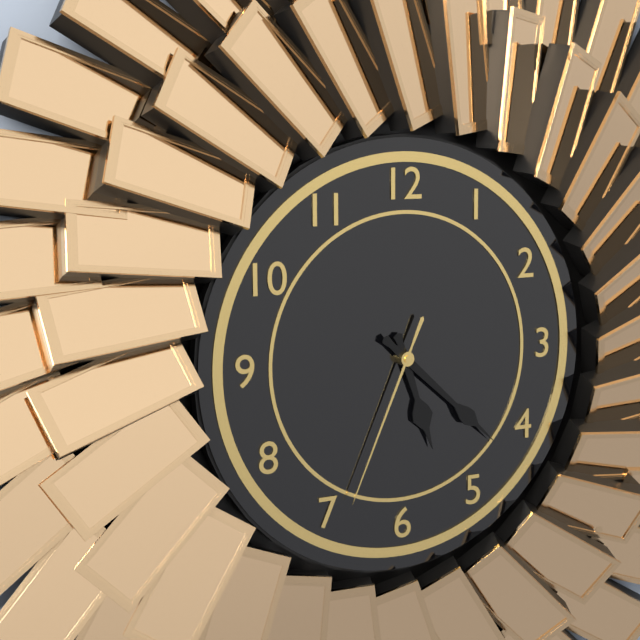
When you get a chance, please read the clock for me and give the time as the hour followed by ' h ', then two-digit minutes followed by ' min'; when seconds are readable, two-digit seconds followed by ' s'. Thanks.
5 h 22 min 34 s
